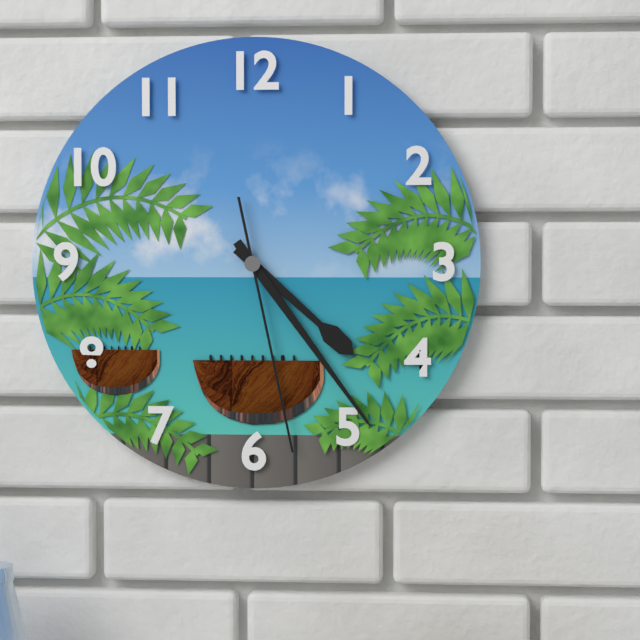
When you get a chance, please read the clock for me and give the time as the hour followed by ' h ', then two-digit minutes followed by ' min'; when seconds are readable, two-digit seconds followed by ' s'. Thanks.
4 h 24 min 28 s
